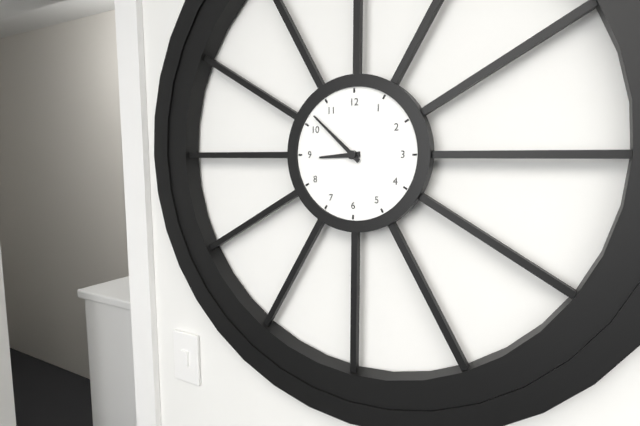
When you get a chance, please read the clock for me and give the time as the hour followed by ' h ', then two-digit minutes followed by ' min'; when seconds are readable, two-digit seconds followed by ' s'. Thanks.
8 h 52 min
